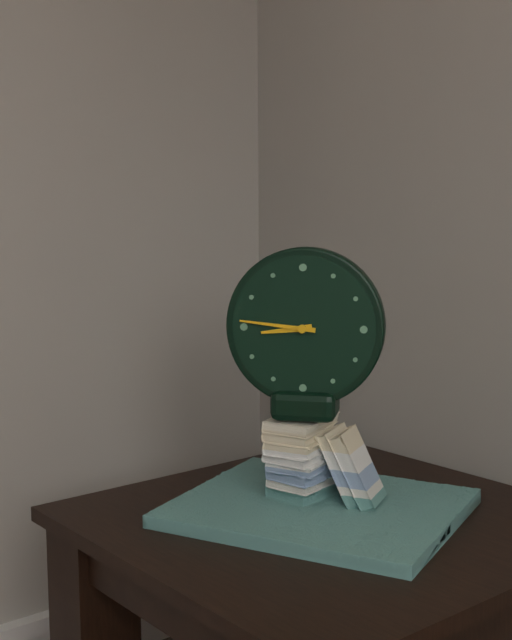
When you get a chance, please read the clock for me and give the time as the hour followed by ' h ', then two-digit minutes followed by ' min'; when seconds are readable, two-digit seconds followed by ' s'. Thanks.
8 h 46 min
